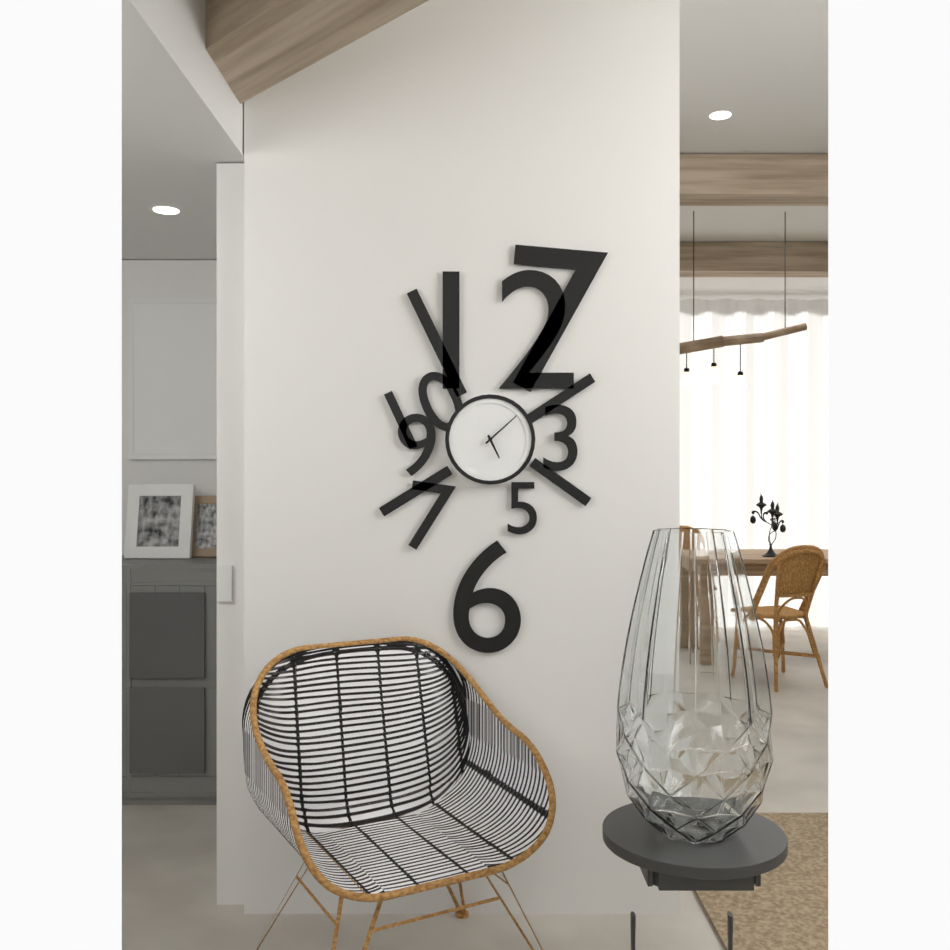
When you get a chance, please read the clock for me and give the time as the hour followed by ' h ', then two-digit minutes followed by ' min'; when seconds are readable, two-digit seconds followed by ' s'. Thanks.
5 h 08 min
